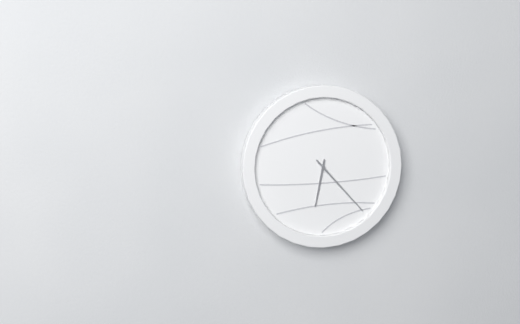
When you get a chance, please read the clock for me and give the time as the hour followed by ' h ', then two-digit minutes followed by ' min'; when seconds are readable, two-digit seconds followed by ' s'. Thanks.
6 h 23 min
